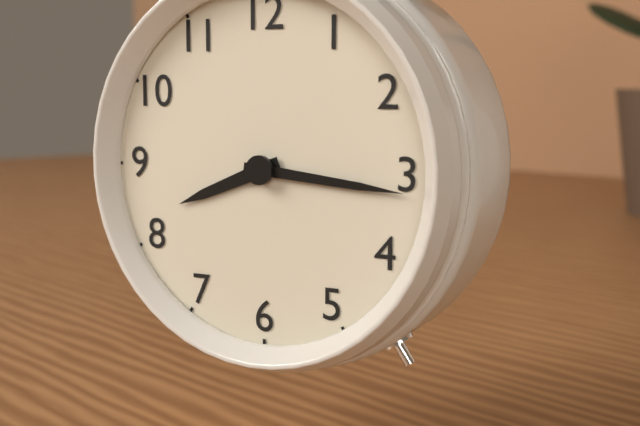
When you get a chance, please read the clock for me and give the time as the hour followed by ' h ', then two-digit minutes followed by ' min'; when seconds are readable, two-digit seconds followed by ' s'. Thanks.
8 h 16 min
